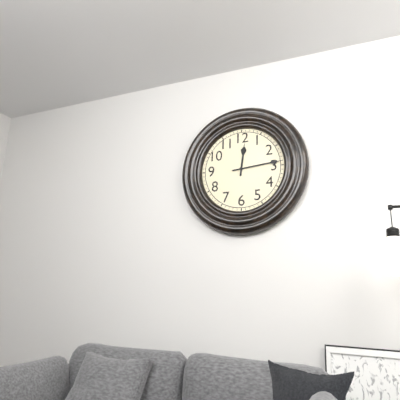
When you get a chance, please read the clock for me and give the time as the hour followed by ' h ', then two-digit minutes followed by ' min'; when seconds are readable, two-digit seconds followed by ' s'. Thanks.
12 h 14 min
